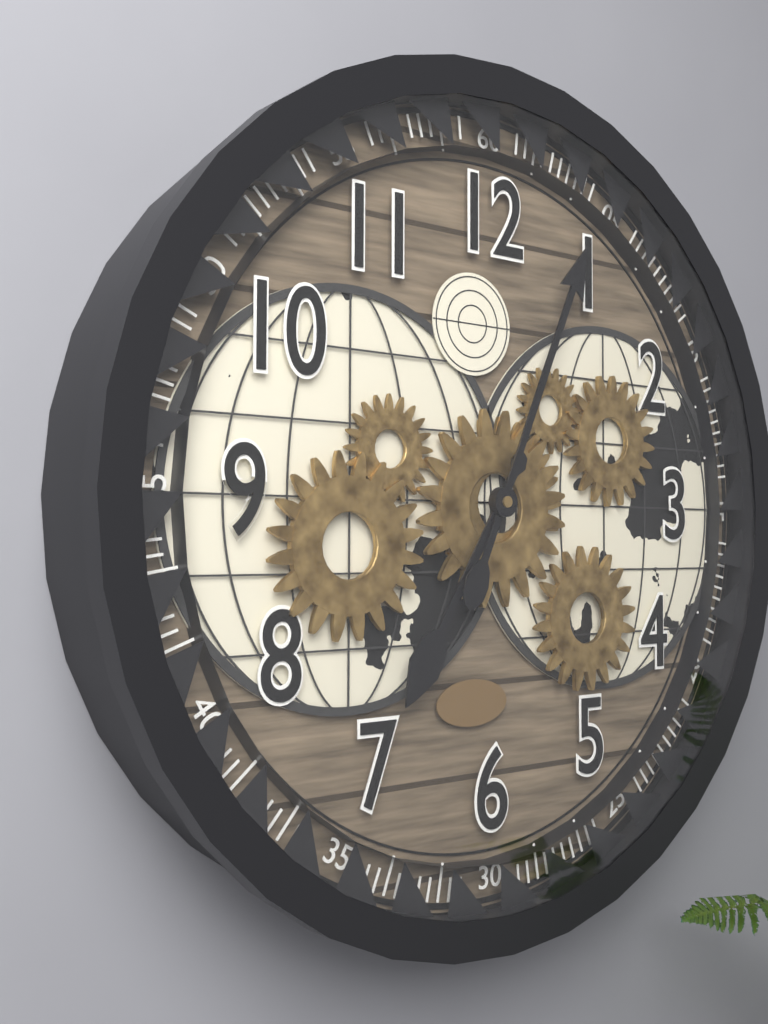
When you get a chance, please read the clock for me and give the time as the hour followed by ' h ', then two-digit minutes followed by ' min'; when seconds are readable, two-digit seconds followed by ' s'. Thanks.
7 h 04 min
